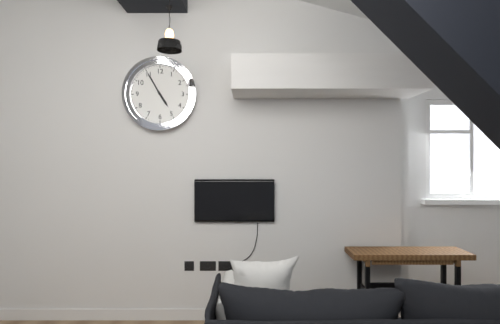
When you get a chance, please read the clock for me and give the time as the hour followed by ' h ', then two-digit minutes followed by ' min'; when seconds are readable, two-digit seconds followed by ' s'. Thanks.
4 h 55 min
